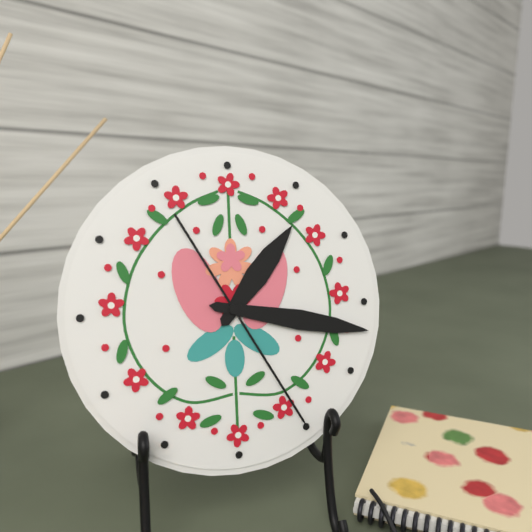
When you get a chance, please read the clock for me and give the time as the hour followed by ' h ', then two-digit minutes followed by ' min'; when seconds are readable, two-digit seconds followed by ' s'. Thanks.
1 h 17 min 25 s
